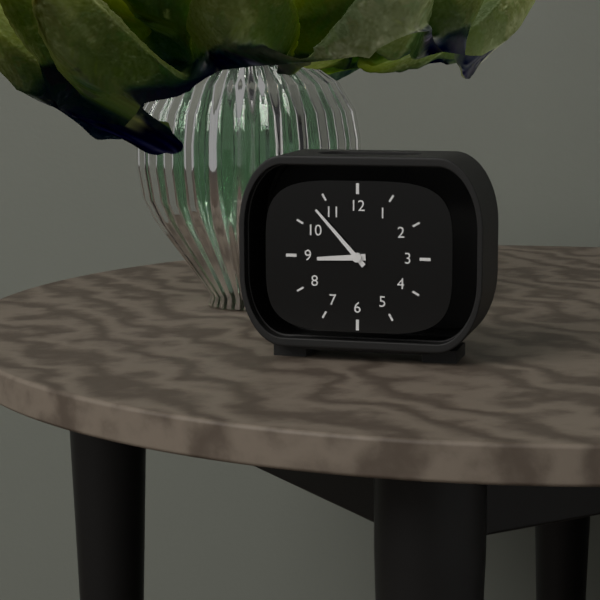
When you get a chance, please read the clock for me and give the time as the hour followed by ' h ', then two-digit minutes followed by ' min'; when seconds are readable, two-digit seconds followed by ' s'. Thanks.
8 h 53 min
